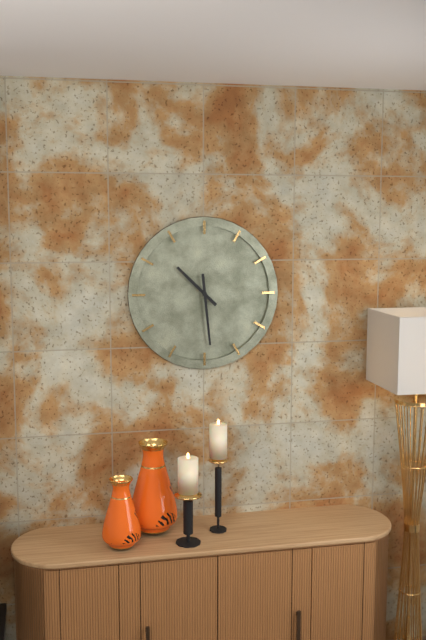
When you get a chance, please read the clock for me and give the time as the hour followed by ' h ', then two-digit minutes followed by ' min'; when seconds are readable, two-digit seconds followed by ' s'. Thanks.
10 h 29 min
